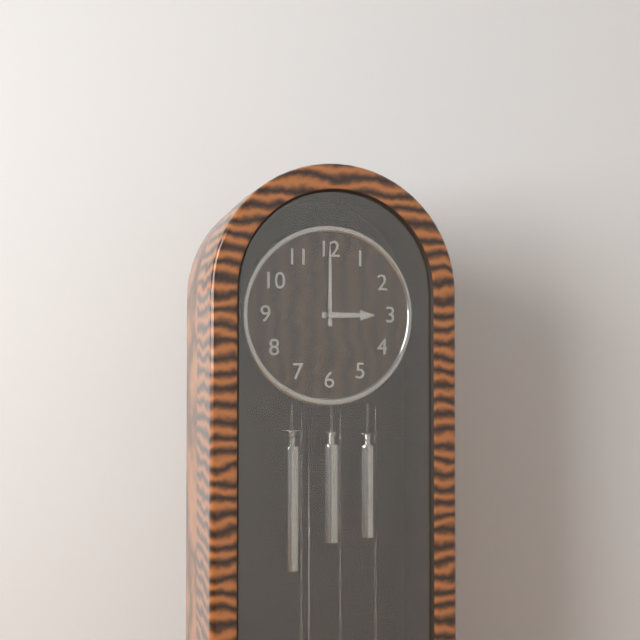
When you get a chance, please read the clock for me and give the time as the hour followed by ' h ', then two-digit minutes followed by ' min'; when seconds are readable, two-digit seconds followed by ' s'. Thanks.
3 h 00 min
